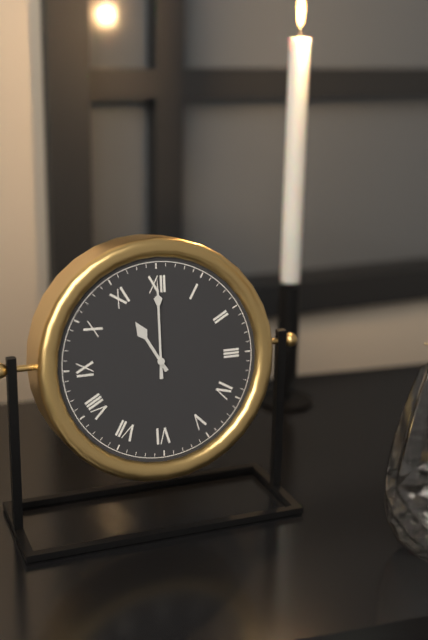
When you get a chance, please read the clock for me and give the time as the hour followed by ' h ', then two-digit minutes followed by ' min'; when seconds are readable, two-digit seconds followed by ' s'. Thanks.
11 h 00 min
